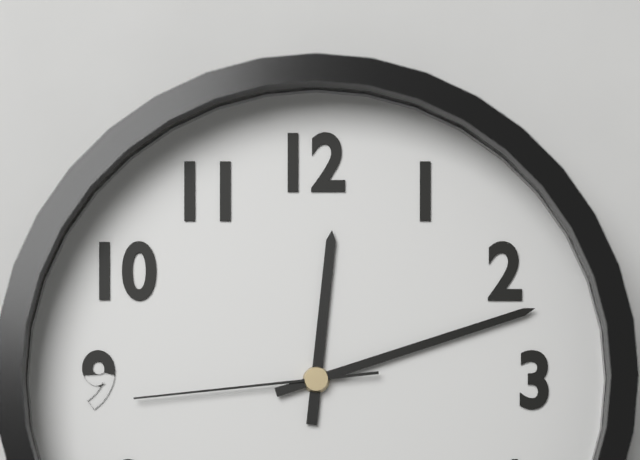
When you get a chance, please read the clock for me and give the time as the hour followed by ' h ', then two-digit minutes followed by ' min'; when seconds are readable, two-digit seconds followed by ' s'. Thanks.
12 h 12 min 44 s
